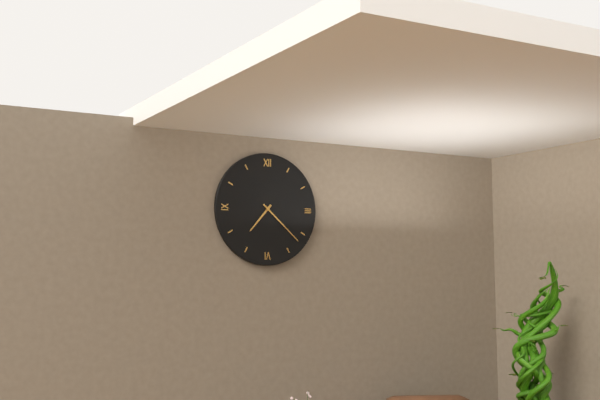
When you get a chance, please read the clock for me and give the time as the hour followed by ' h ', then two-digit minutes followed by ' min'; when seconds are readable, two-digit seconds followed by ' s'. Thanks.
7 h 22 min
